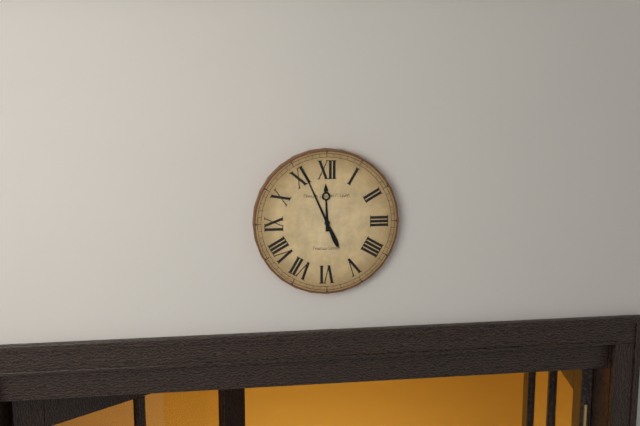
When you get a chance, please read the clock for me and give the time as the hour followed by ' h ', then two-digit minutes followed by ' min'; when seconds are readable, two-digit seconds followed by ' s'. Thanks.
11 h 56 min
